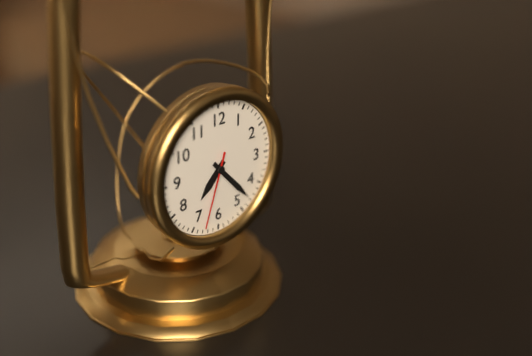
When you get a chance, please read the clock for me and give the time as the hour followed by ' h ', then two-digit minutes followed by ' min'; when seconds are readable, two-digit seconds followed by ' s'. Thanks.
7 h 23 min 33 s
